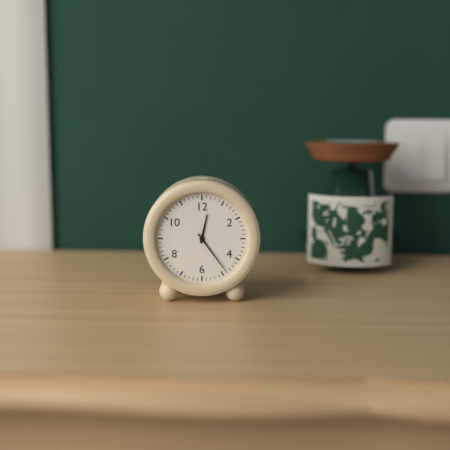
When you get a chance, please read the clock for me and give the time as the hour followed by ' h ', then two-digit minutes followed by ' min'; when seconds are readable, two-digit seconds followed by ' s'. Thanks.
12 h 24 min
